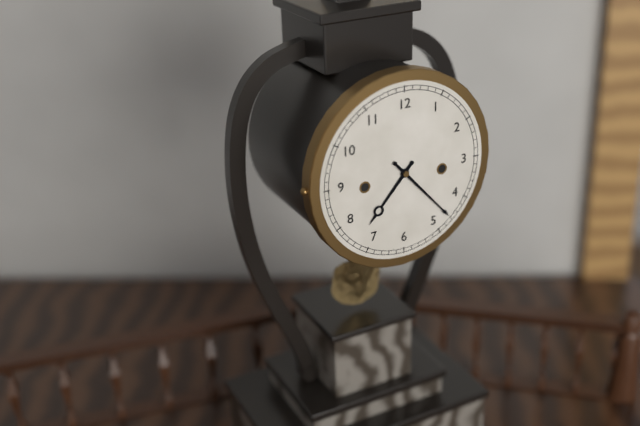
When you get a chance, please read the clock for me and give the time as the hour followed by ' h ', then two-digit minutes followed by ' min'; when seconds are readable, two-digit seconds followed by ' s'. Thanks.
7 h 23 min
